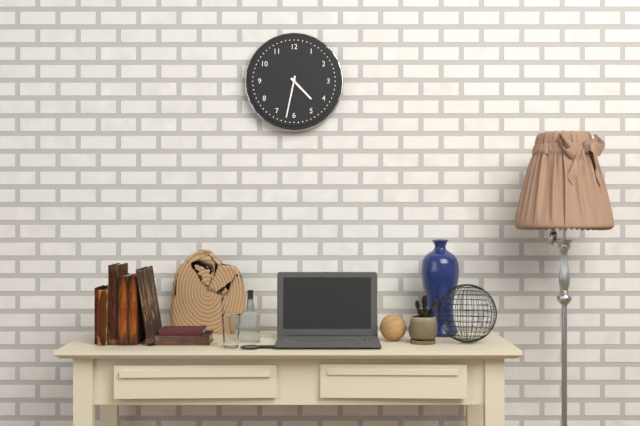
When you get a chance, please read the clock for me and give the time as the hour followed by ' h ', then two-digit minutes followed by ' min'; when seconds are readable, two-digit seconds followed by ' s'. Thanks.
4 h 32 min
